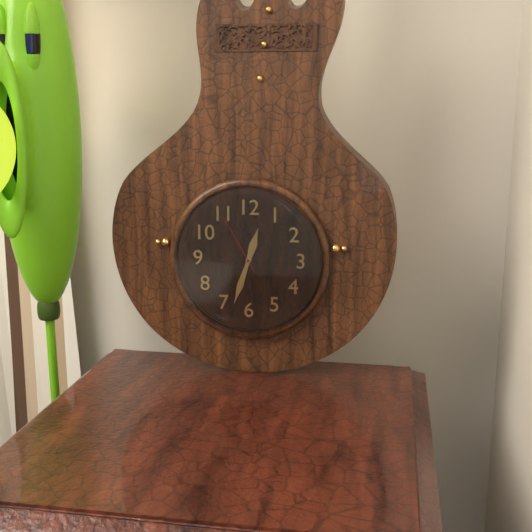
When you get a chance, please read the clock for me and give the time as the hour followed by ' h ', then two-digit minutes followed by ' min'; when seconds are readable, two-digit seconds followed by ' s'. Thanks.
12 h 33 min 55 s
